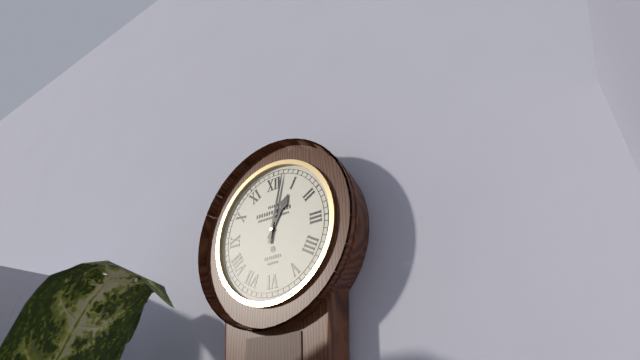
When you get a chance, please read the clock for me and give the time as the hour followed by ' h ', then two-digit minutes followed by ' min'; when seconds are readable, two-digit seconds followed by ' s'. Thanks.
1 h 02 min
